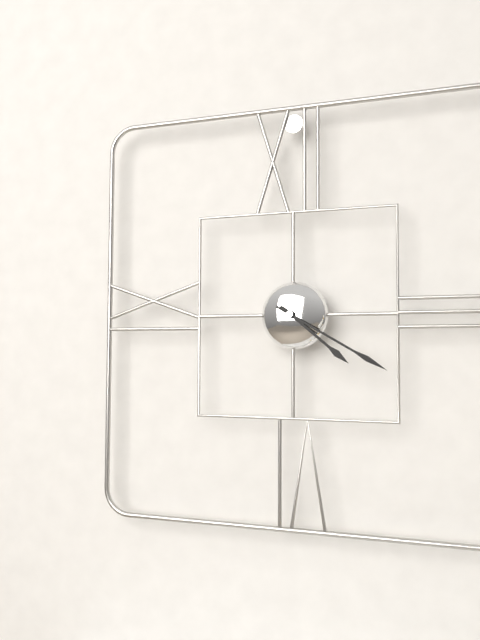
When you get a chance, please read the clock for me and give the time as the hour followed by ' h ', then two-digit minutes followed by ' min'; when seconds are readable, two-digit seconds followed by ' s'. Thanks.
4 h 20 min
